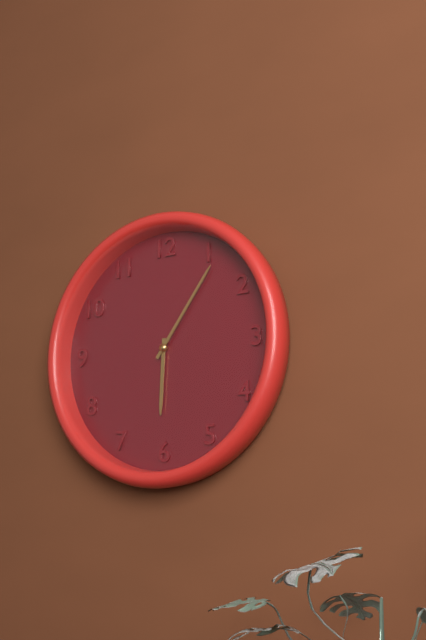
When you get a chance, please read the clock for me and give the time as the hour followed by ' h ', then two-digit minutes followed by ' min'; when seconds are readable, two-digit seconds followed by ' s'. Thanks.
6 h 06 min
